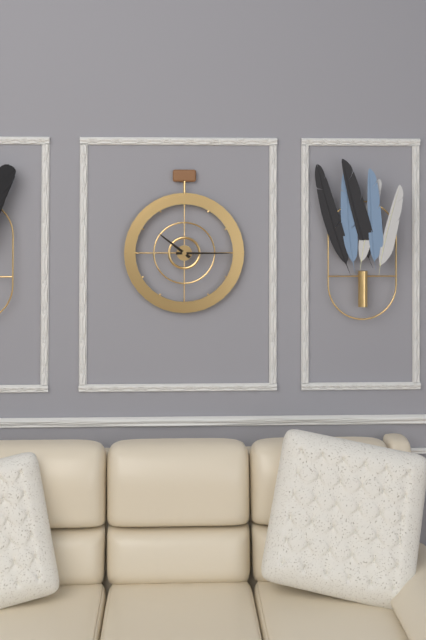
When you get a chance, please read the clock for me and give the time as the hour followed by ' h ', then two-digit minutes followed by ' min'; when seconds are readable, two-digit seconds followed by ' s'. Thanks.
10 h 15 min
